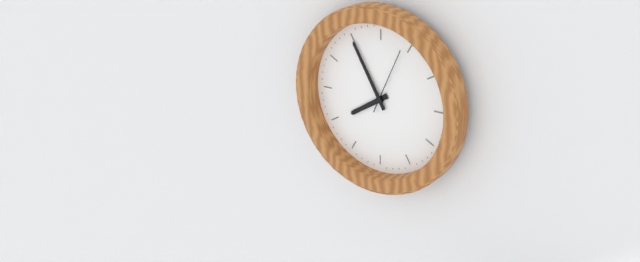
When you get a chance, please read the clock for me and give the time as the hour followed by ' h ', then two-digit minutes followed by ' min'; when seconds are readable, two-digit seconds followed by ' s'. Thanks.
7 h 55 min 04 s
